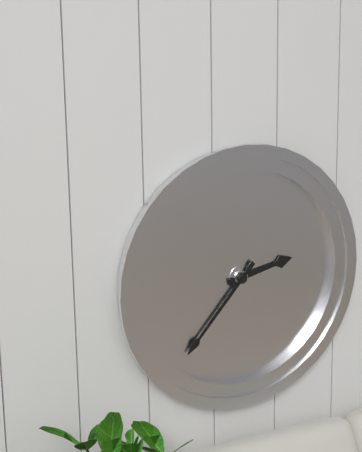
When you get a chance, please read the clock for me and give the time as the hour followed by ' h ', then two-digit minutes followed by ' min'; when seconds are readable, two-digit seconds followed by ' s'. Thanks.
2 h 37 min
